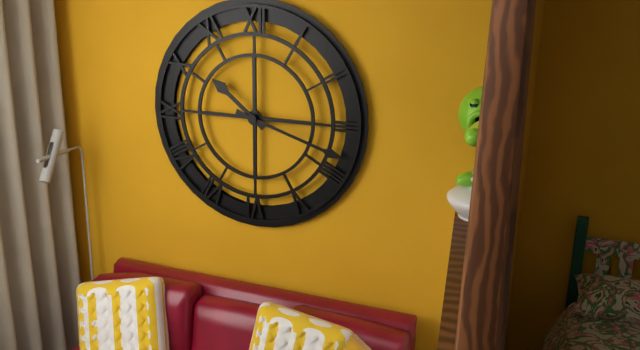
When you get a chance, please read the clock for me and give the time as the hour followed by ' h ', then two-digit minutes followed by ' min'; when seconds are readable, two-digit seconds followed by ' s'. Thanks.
10 h 18 min
